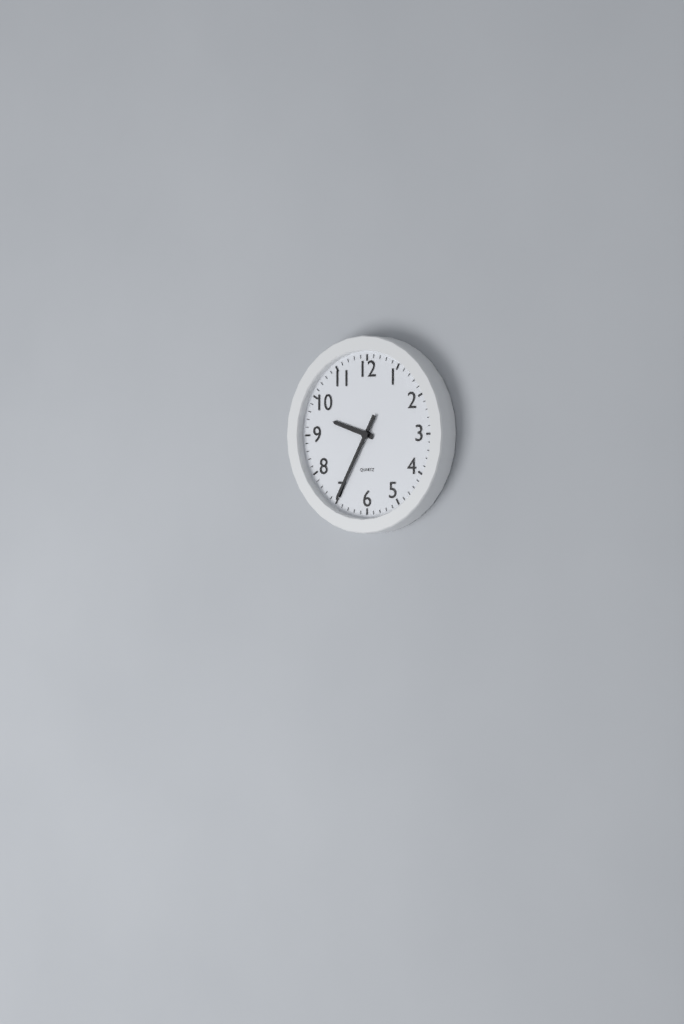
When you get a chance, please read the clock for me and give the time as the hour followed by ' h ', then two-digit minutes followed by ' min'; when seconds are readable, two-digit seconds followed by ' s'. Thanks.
9 h 35 min
